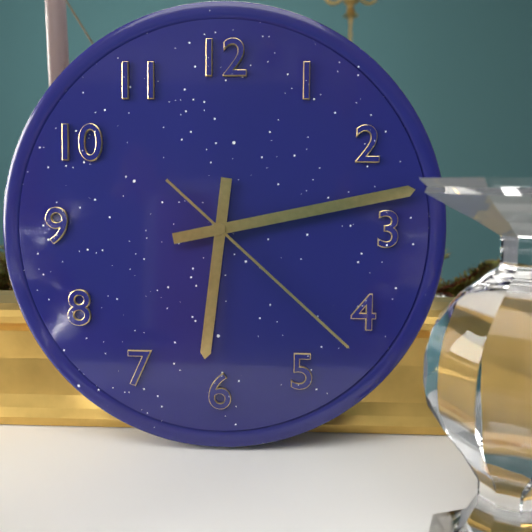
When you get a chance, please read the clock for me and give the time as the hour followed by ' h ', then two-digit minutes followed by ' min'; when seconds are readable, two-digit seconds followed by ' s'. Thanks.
6 h 13 min 22 s
